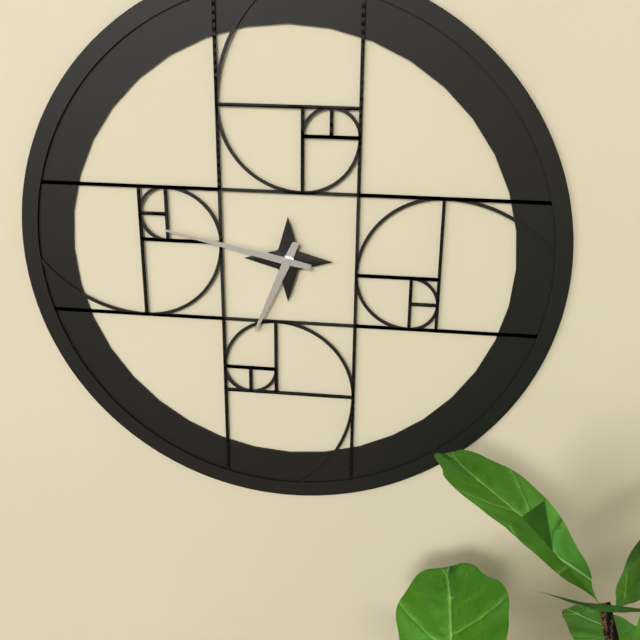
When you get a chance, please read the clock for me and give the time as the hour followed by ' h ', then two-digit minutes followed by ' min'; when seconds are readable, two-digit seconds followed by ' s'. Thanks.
6 h 47 min
